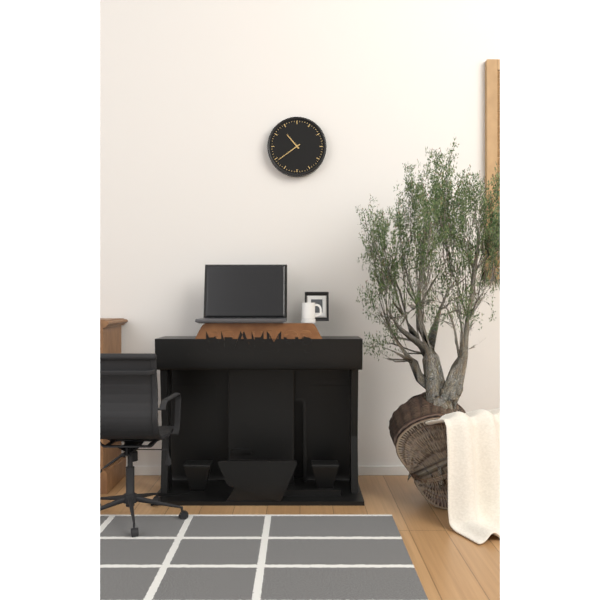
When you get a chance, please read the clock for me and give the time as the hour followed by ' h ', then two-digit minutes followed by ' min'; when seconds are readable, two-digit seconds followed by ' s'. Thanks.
10 h 39 min
